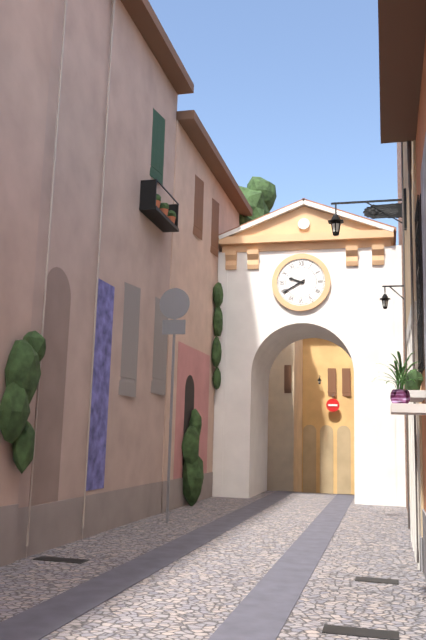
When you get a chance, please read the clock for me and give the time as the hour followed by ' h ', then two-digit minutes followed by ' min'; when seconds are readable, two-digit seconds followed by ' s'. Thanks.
9 h 40 min
